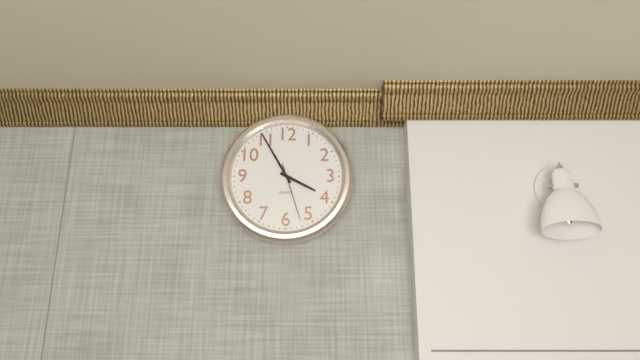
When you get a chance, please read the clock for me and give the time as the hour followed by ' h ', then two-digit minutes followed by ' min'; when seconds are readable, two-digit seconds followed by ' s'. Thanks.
3 h 55 min 27 s
